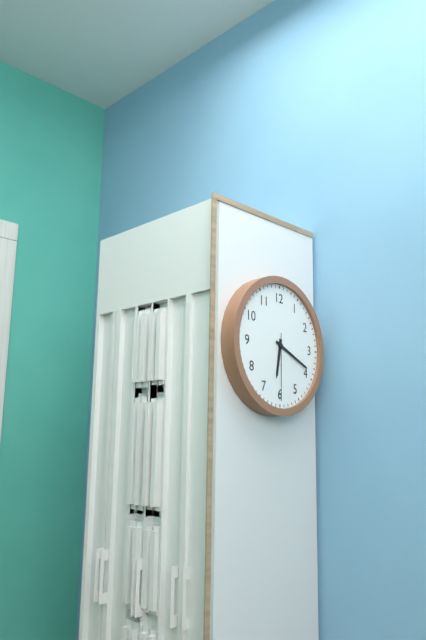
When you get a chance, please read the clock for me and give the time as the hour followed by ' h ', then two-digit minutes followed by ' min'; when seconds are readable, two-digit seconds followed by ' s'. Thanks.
6 h 19 min 30 s
